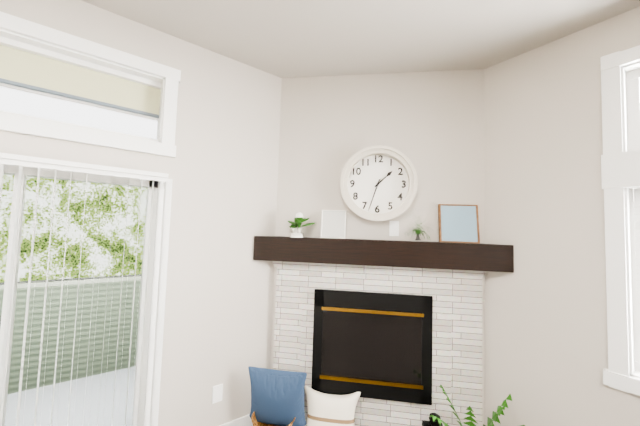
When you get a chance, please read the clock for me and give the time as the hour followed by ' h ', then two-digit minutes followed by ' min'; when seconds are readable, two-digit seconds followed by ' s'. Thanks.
1 h 33 min
